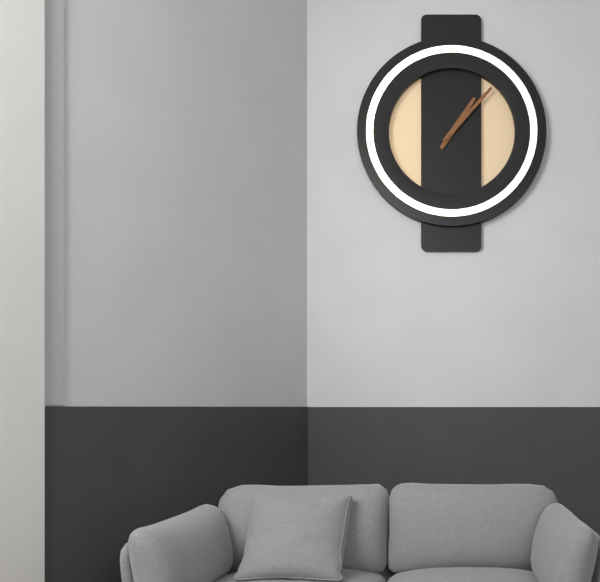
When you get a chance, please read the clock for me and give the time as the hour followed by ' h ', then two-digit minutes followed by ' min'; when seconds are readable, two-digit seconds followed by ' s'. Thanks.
1 h 07 min
